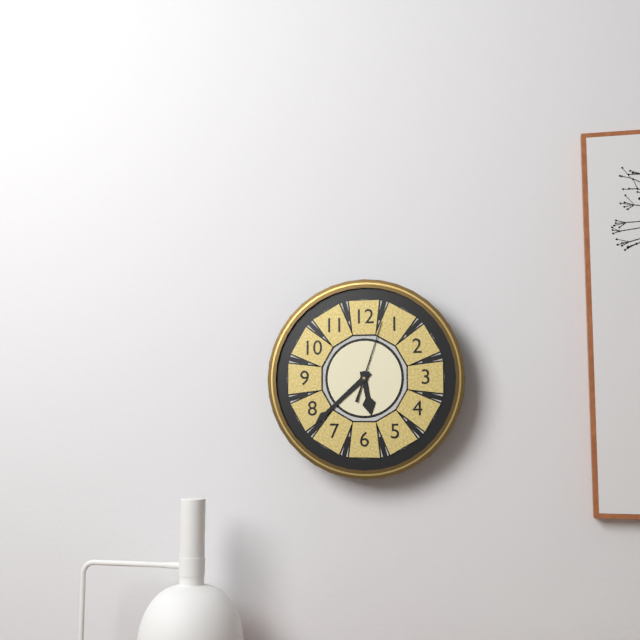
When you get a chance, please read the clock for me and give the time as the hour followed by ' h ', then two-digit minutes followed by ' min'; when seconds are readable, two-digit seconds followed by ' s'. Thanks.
5 h 38 min 03 s
